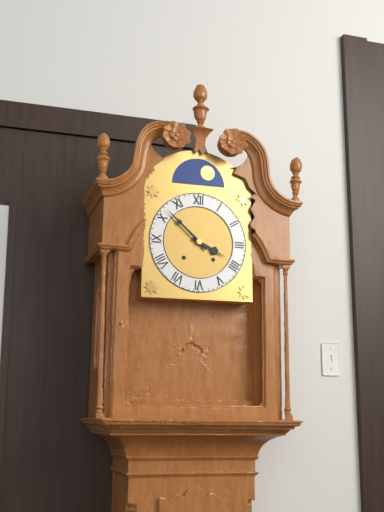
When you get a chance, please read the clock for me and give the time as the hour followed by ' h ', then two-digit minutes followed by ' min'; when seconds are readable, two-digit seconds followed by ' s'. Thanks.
3 h 52 min
